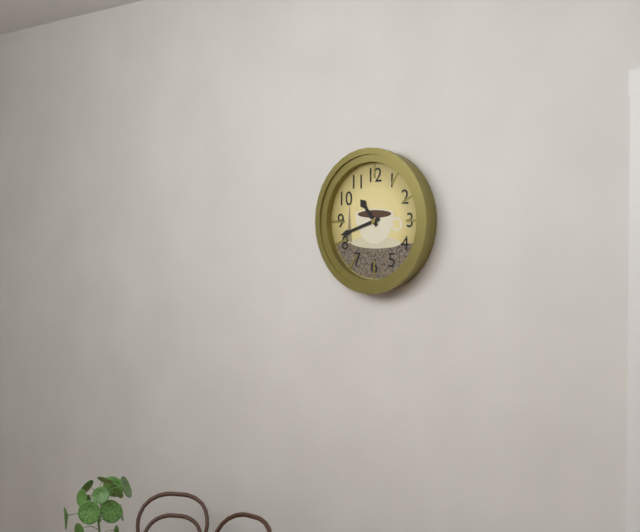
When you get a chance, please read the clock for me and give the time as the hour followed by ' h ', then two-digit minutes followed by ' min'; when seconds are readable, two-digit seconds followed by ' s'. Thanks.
10 h 42 min
